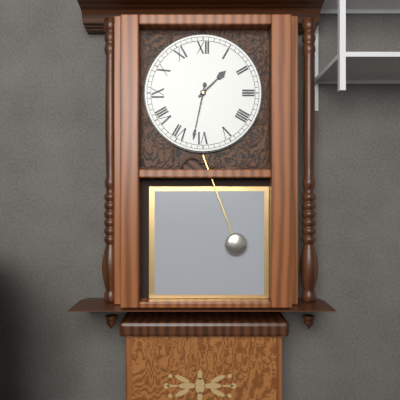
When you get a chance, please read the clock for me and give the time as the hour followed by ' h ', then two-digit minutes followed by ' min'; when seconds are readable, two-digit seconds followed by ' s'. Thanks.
1 h 32 min
